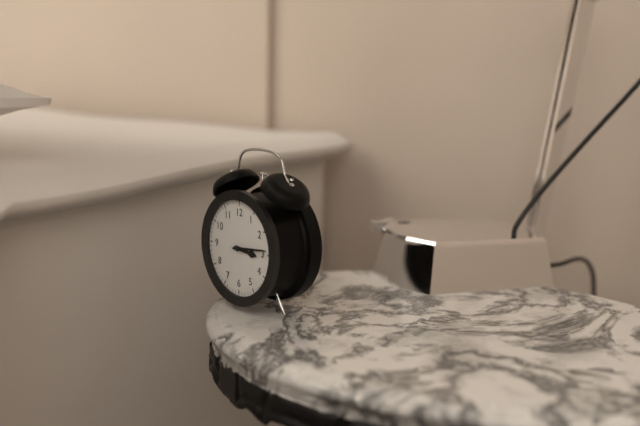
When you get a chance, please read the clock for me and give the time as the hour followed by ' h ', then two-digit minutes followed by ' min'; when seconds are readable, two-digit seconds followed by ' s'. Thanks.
3 h 14 min
